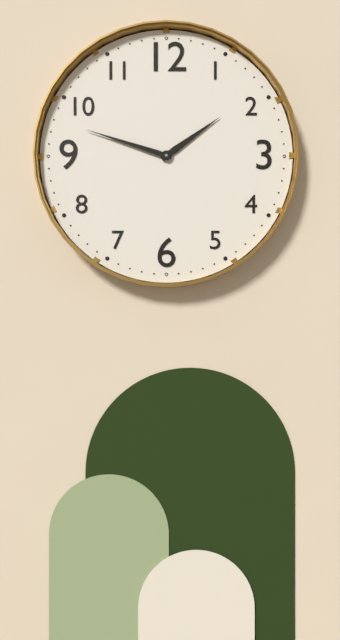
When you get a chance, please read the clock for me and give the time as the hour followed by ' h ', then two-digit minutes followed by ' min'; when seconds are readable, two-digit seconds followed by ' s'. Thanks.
1 h 48 min
